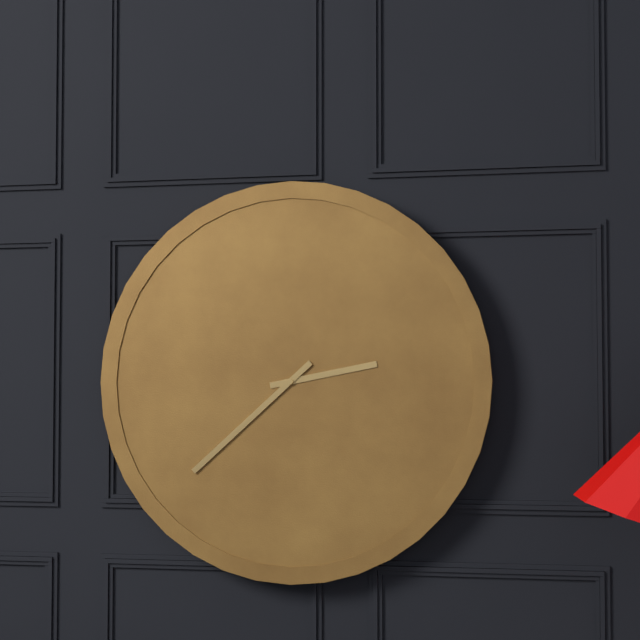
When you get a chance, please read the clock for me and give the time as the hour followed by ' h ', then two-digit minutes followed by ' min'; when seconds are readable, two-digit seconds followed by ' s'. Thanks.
2 h 38 min
